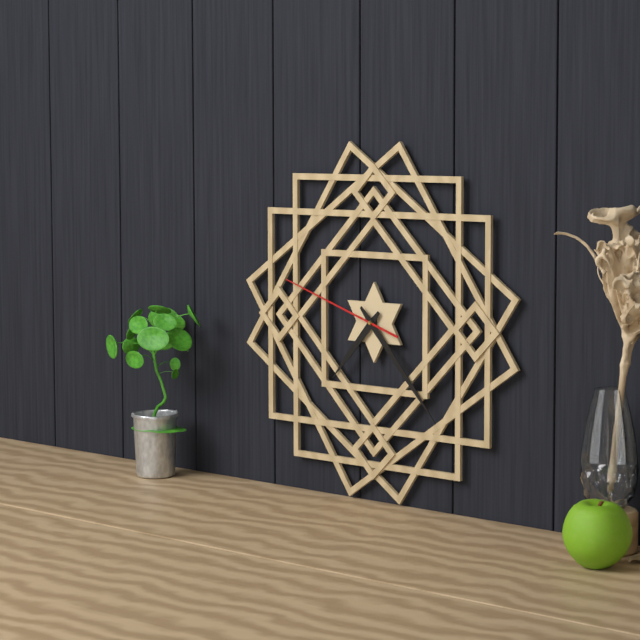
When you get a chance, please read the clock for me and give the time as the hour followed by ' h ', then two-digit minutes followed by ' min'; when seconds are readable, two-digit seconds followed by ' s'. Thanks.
7 h 23 min 48 s
